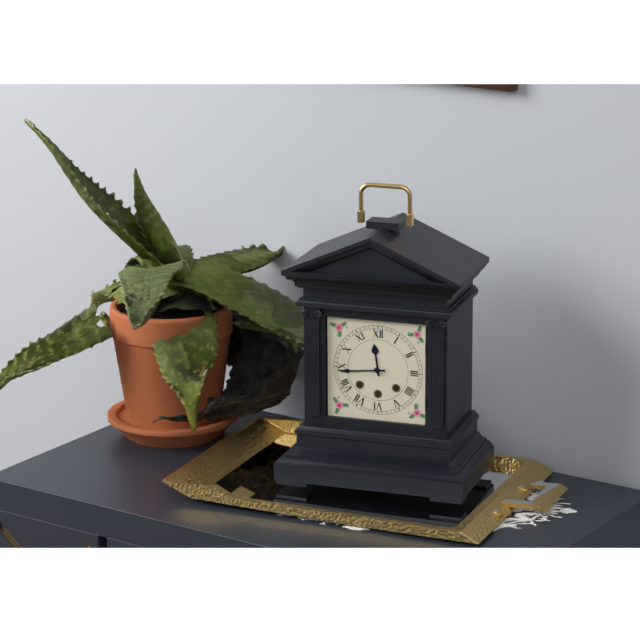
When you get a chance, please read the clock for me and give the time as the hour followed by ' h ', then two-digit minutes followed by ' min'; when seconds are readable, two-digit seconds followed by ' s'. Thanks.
11 h 44 min
